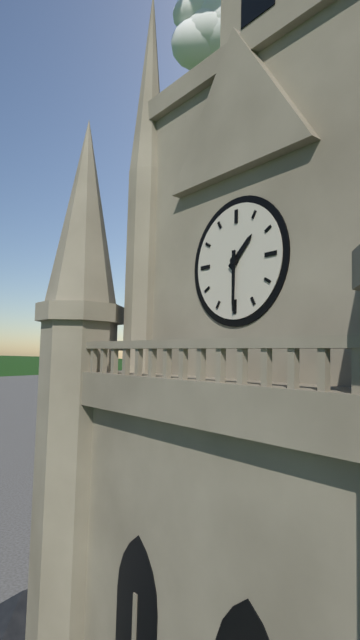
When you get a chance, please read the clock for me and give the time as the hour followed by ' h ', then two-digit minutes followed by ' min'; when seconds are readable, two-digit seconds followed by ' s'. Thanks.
1 h 30 min
